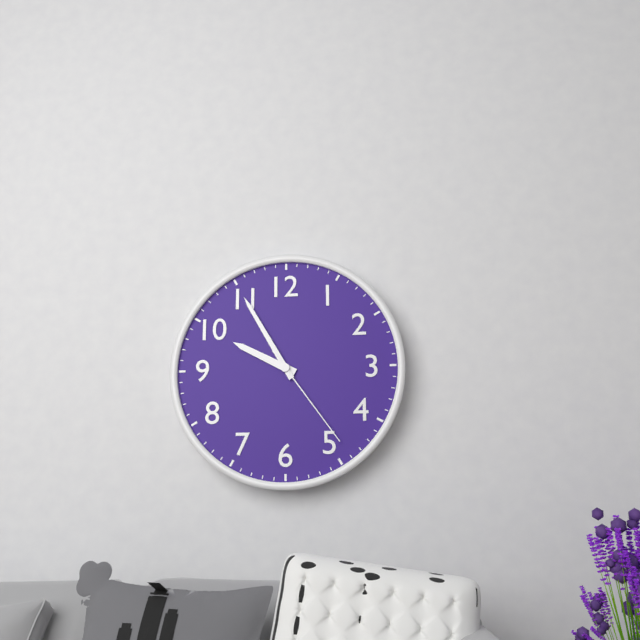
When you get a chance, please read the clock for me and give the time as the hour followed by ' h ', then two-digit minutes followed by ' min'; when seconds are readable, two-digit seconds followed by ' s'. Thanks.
9 h 55 min 24 s
